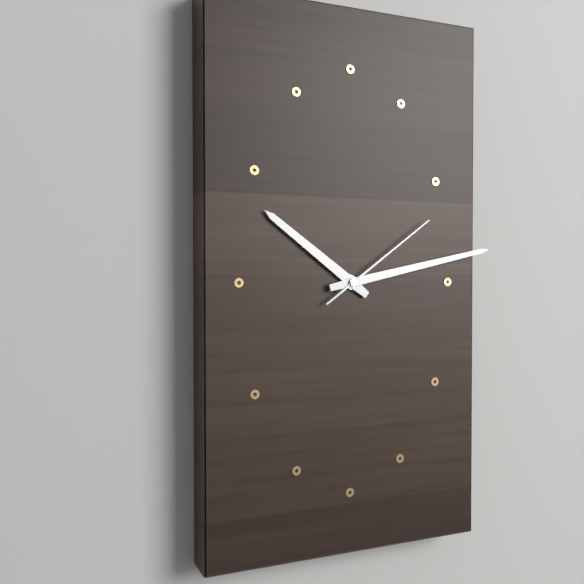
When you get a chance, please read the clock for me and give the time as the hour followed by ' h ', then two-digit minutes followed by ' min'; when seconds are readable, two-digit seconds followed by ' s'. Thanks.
10 h 13 min 09 s
